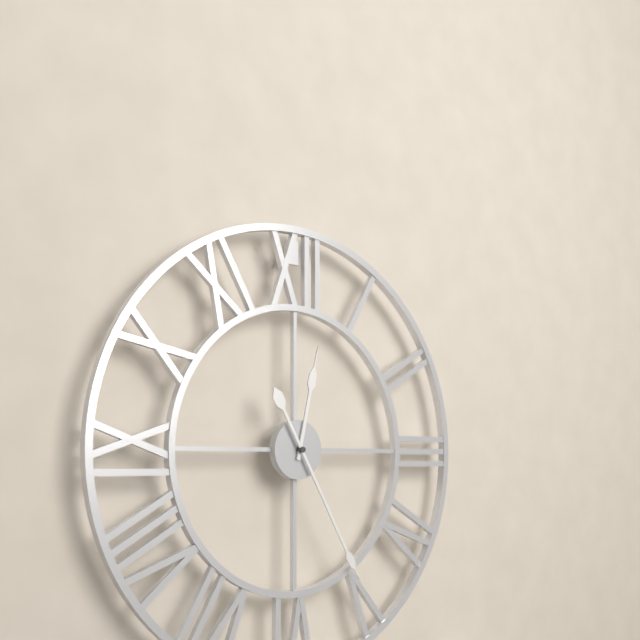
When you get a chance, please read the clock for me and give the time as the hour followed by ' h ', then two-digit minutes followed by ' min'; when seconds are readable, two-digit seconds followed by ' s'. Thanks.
12 h 25 min
